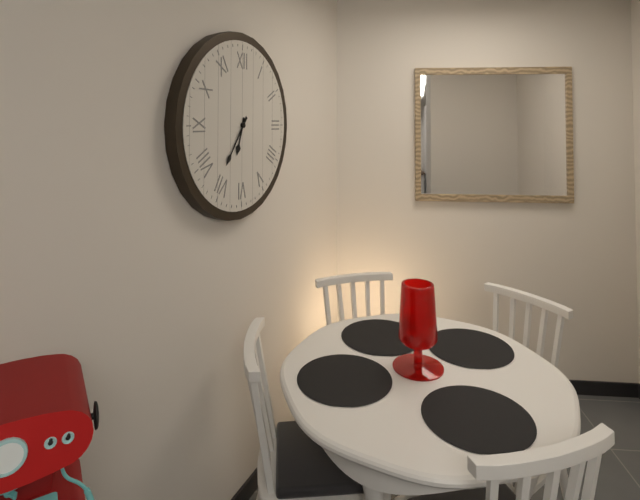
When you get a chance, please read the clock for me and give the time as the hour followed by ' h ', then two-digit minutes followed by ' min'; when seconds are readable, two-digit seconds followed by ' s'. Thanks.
6 h 36 min
